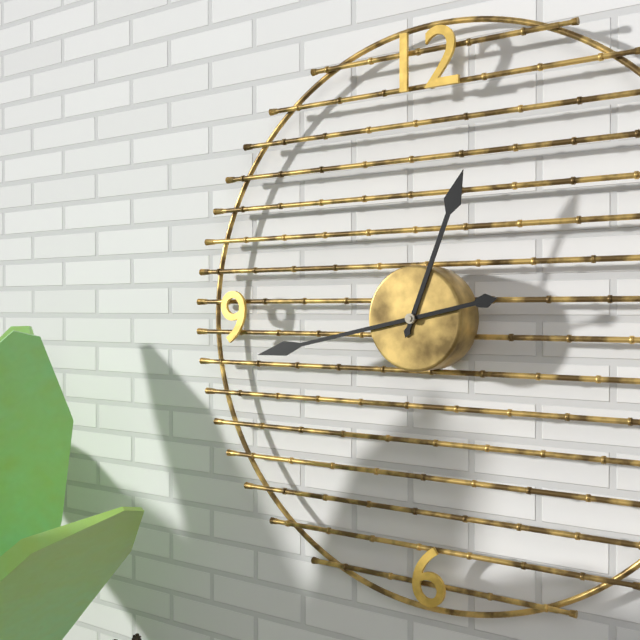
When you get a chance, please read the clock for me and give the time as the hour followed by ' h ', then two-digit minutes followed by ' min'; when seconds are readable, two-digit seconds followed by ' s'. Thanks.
12 h 43 min
